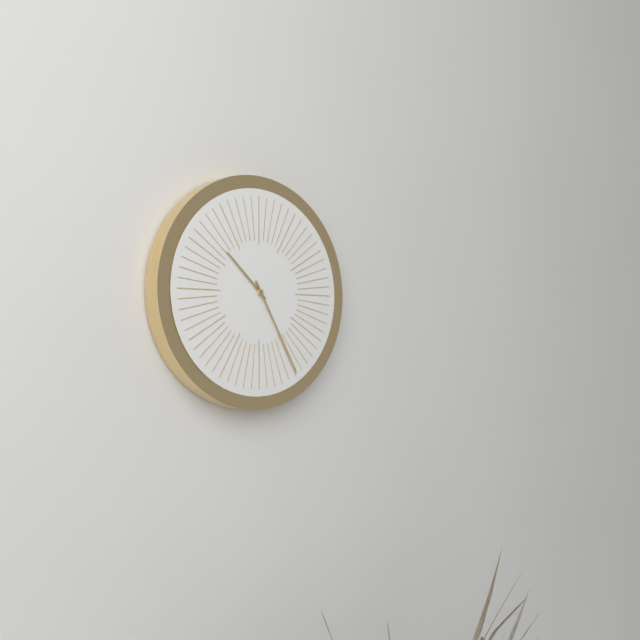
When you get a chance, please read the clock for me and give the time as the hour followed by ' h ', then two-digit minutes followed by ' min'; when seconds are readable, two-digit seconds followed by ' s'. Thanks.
10 h 25 min
